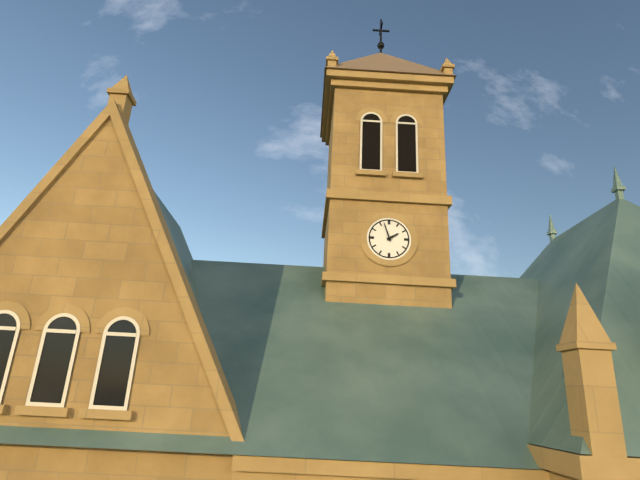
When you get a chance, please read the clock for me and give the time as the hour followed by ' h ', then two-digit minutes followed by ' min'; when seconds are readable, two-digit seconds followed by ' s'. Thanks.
1 h 57 min
